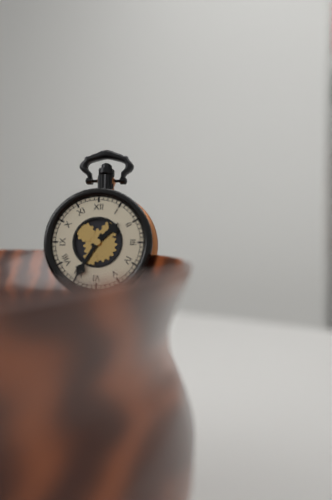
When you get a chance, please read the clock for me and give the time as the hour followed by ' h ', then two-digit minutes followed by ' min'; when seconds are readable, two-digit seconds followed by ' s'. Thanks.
1 h 35 min
